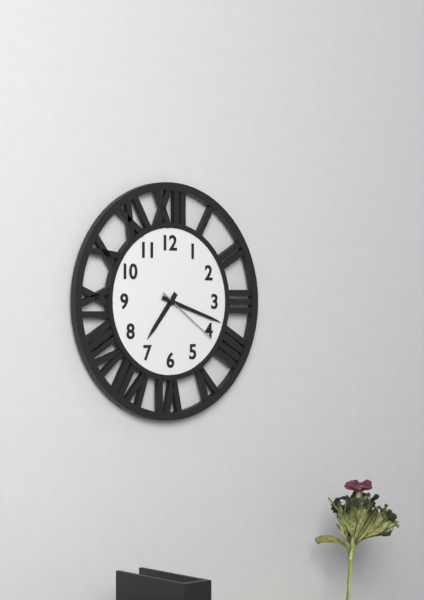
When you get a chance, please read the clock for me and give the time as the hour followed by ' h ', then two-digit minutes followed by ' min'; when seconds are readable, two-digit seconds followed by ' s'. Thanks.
7 h 18 min 21 s
